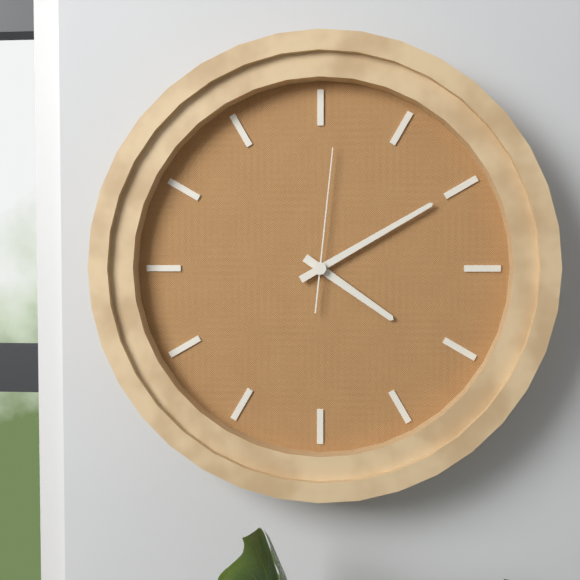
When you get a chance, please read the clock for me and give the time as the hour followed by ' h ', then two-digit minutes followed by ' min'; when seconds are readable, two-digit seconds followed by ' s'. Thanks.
4 h 10 min 01 s
